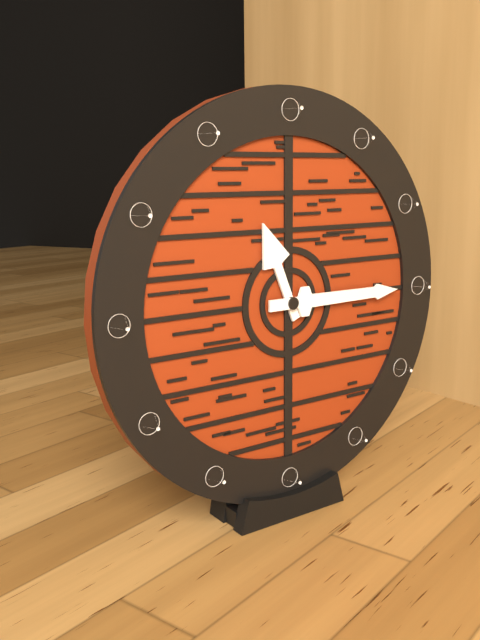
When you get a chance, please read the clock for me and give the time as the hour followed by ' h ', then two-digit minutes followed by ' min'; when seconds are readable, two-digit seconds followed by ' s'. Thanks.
11 h 15 min
